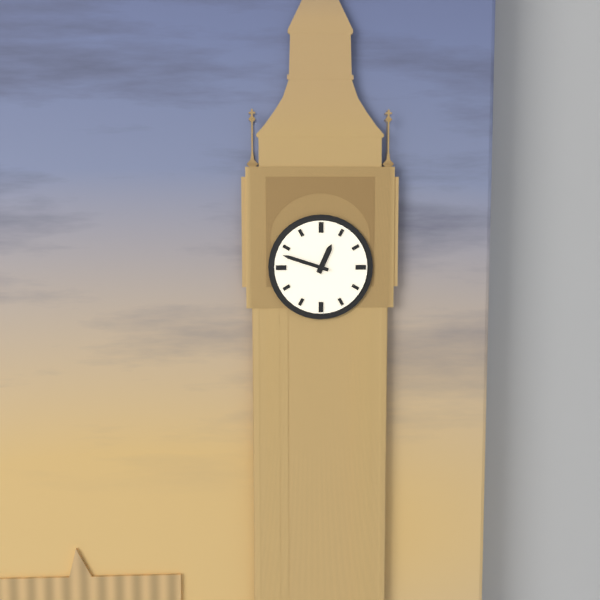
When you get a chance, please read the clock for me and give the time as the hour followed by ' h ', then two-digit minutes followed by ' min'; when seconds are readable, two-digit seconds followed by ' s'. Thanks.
12 h 48 min
